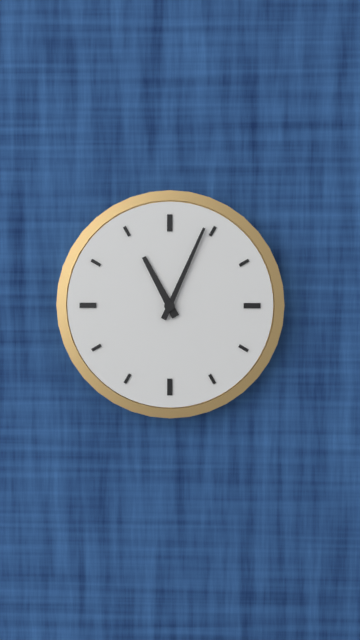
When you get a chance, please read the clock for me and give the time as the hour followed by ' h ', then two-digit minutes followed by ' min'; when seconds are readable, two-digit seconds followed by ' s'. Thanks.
11 h 04 min
